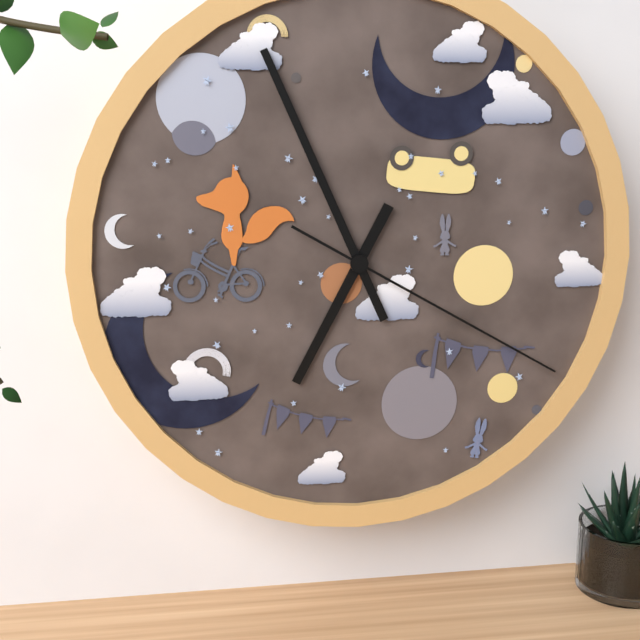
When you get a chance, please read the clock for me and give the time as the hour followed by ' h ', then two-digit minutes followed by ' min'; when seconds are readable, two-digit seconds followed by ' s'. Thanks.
6 h 56 min 20 s
